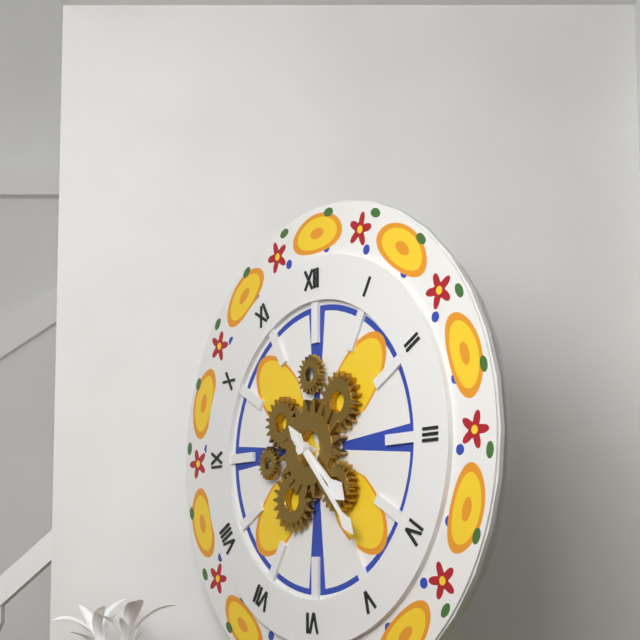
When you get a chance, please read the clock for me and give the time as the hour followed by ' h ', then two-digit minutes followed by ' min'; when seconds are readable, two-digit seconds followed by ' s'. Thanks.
4 h 23 min
